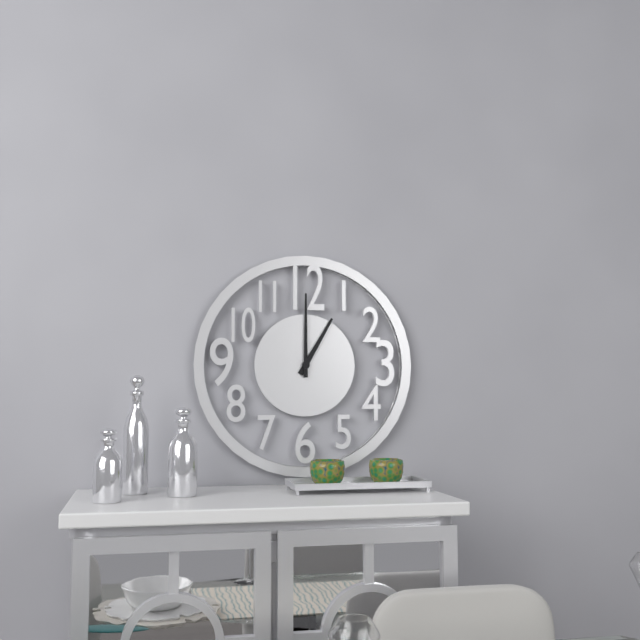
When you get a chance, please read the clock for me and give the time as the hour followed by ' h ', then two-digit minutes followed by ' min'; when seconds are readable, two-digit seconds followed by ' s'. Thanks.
1 h 00 min
